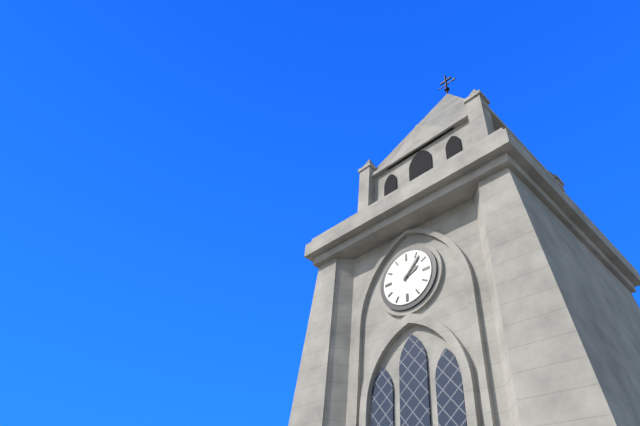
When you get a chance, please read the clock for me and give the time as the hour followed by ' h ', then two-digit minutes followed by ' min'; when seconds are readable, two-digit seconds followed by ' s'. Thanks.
2 h 07 min
